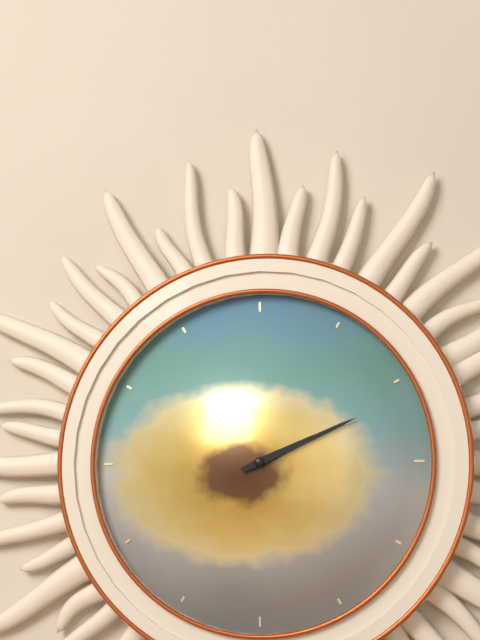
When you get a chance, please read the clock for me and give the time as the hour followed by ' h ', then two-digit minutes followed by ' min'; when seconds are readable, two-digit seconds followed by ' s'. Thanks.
2 h 11 min
